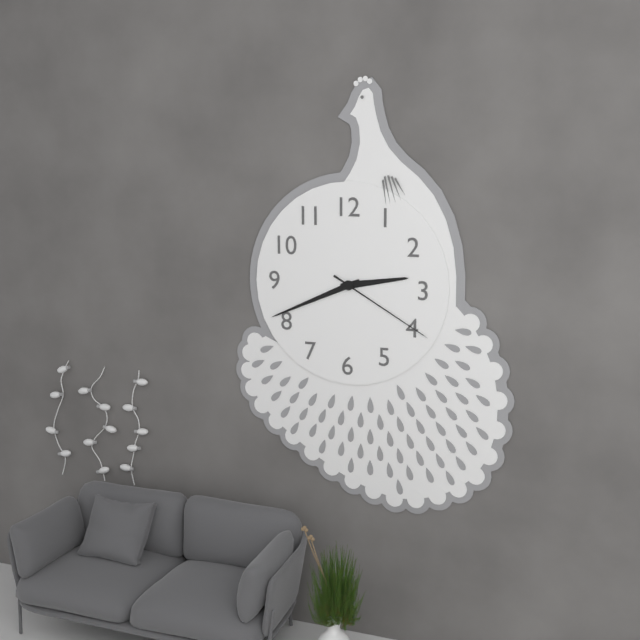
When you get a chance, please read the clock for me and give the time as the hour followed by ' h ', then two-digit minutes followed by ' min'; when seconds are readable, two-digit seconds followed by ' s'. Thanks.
2 h 41 min 20 s
